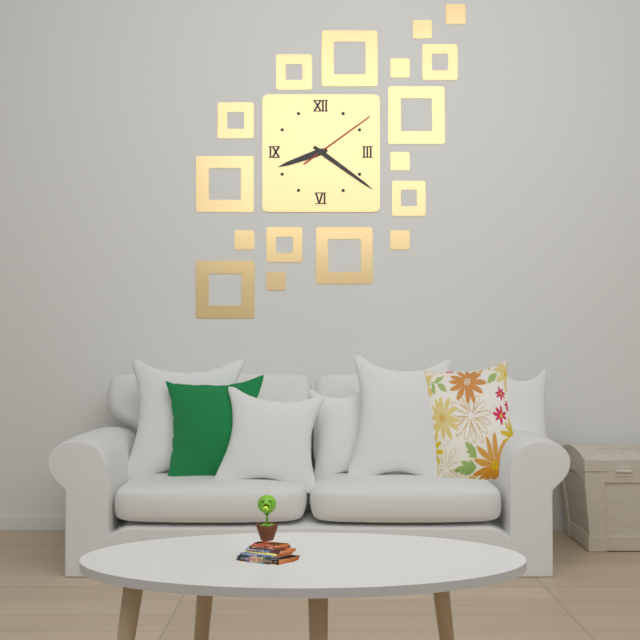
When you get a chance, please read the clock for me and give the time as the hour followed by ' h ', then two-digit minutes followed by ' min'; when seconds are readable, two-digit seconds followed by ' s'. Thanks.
8 h 21 min 09 s
